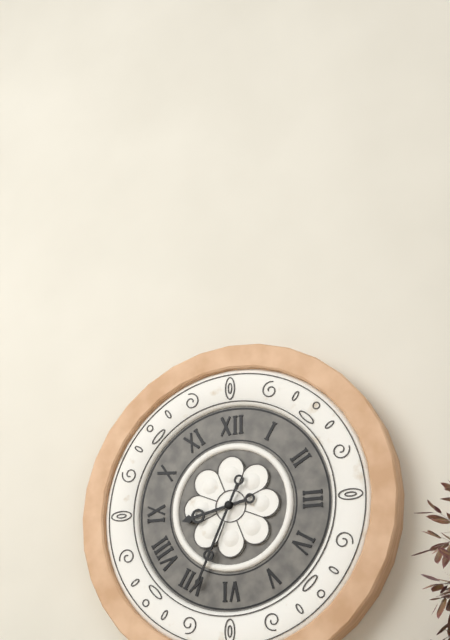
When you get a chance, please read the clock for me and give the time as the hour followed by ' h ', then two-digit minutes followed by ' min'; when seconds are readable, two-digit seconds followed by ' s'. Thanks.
8 h 34 min
